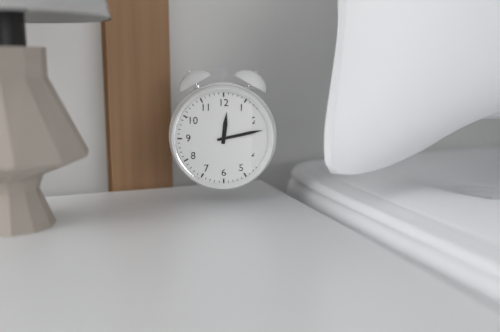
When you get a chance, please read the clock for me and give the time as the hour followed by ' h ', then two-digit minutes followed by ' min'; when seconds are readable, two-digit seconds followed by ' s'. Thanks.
12 h 13 min
